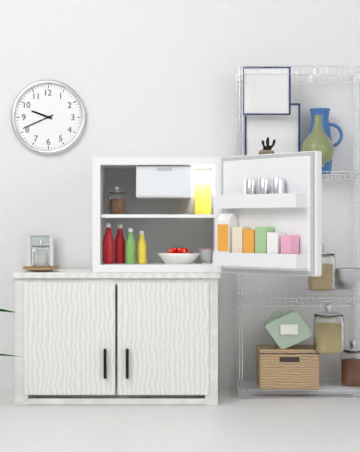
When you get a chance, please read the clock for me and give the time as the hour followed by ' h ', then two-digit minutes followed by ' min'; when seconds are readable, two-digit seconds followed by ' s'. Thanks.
9 h 41 min
